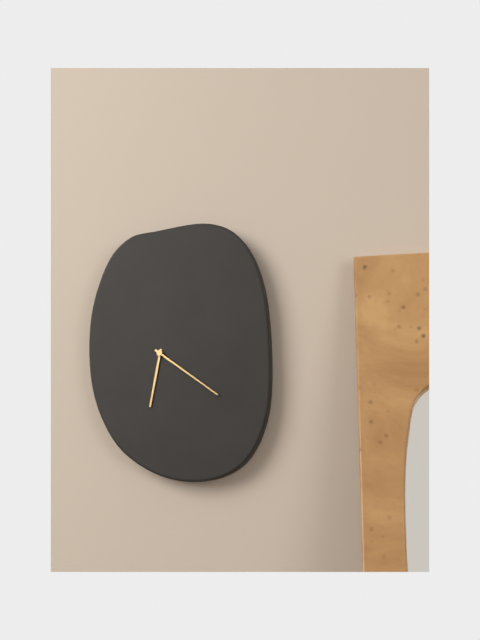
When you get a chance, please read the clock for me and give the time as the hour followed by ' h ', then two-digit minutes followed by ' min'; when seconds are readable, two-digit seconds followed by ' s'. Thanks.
6 h 21 min
